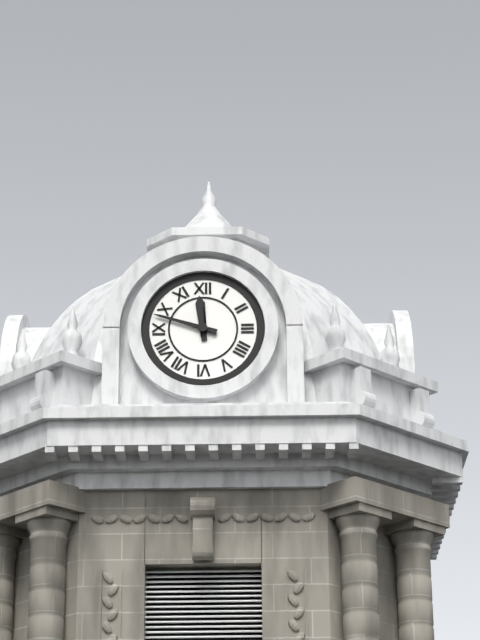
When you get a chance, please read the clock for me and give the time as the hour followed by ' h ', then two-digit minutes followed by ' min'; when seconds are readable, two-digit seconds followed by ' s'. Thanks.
11 h 48 min
